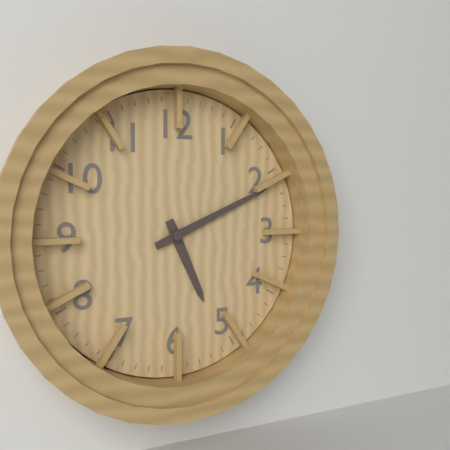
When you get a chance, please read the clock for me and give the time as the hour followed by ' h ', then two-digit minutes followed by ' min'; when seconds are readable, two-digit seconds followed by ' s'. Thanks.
5 h 11 min
